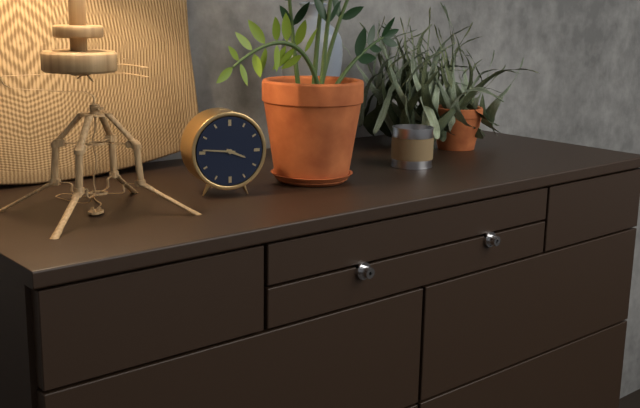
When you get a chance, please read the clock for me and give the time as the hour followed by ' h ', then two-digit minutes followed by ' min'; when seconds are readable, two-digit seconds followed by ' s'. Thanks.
3 h 46 min
